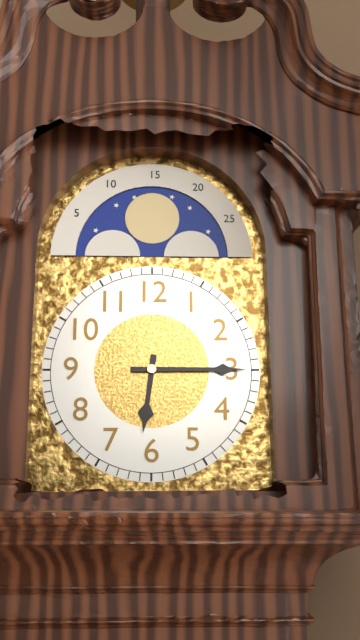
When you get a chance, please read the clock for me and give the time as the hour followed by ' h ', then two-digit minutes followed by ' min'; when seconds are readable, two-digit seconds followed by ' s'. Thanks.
6 h 15 min
